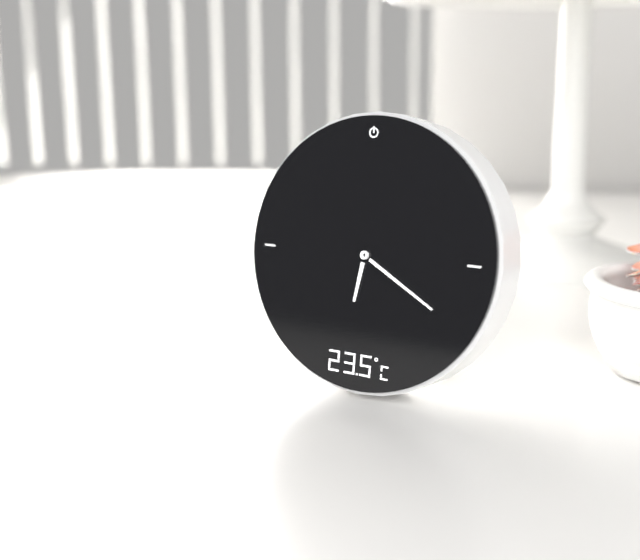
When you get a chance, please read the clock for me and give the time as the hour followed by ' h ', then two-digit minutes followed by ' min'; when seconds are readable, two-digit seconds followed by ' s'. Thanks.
6 h 20 min
